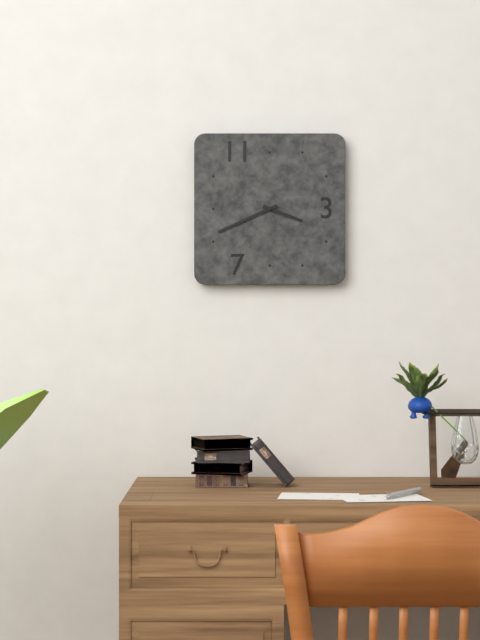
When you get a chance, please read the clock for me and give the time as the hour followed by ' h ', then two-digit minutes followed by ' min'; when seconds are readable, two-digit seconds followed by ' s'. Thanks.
3 h 41 min
